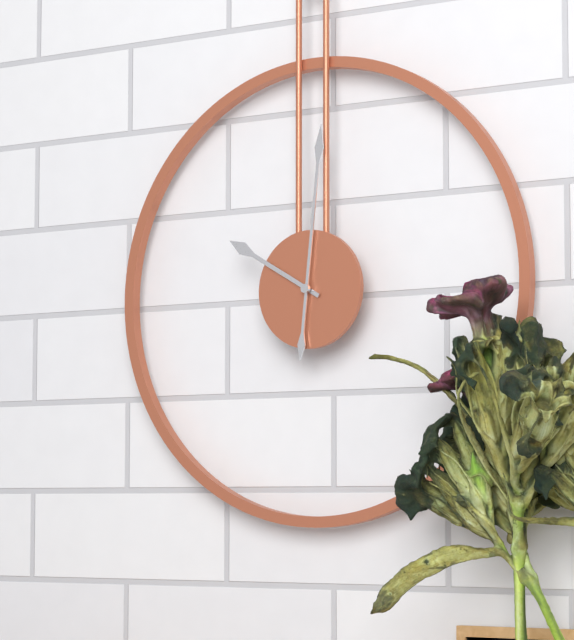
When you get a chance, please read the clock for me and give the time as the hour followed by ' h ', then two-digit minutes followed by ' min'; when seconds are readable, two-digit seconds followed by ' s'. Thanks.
10 h 01 min
